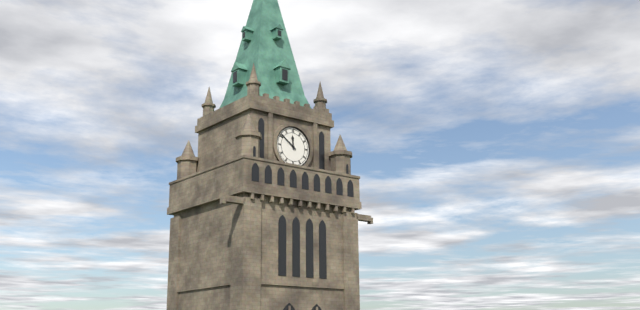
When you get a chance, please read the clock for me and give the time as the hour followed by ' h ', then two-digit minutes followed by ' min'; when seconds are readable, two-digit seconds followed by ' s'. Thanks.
11 h 51 min
